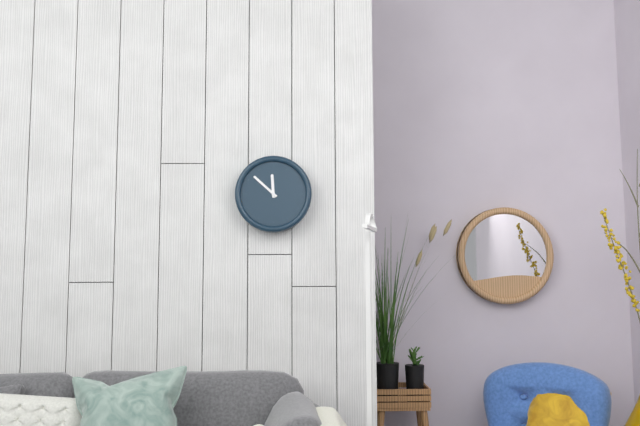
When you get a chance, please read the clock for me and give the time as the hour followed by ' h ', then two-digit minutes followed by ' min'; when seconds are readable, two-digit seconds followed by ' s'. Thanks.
11 h 52 min
